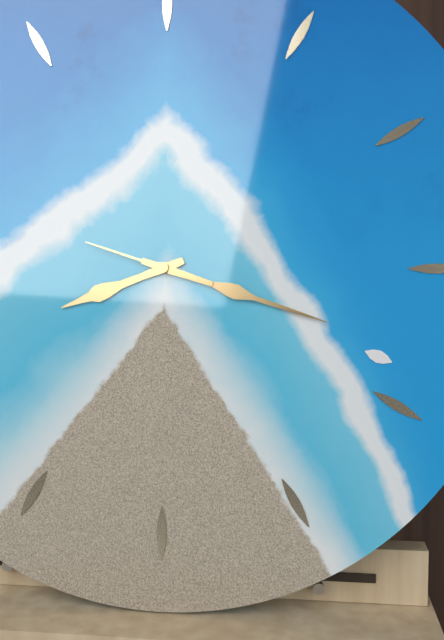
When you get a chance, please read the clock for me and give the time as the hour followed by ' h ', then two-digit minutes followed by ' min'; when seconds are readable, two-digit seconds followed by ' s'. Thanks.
8 h 18 min 48 s
